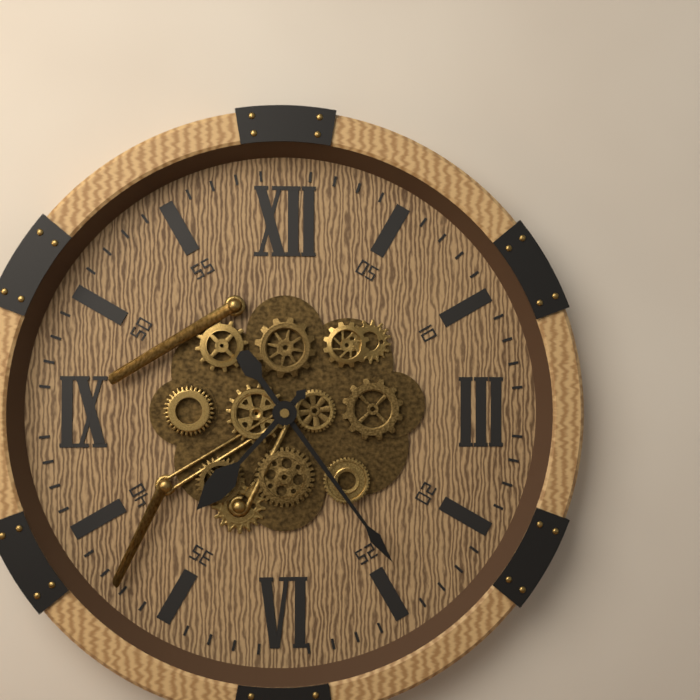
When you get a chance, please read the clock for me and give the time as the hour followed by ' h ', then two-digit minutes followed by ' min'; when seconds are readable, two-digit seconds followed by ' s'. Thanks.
7 h 24 min
